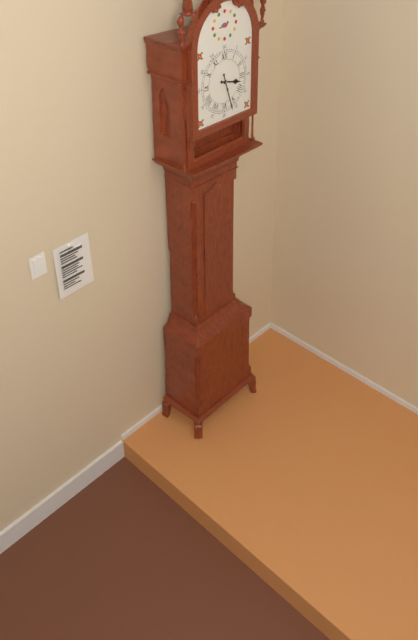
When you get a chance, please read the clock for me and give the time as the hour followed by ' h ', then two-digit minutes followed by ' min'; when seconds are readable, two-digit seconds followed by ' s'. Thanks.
3 h 27 min
